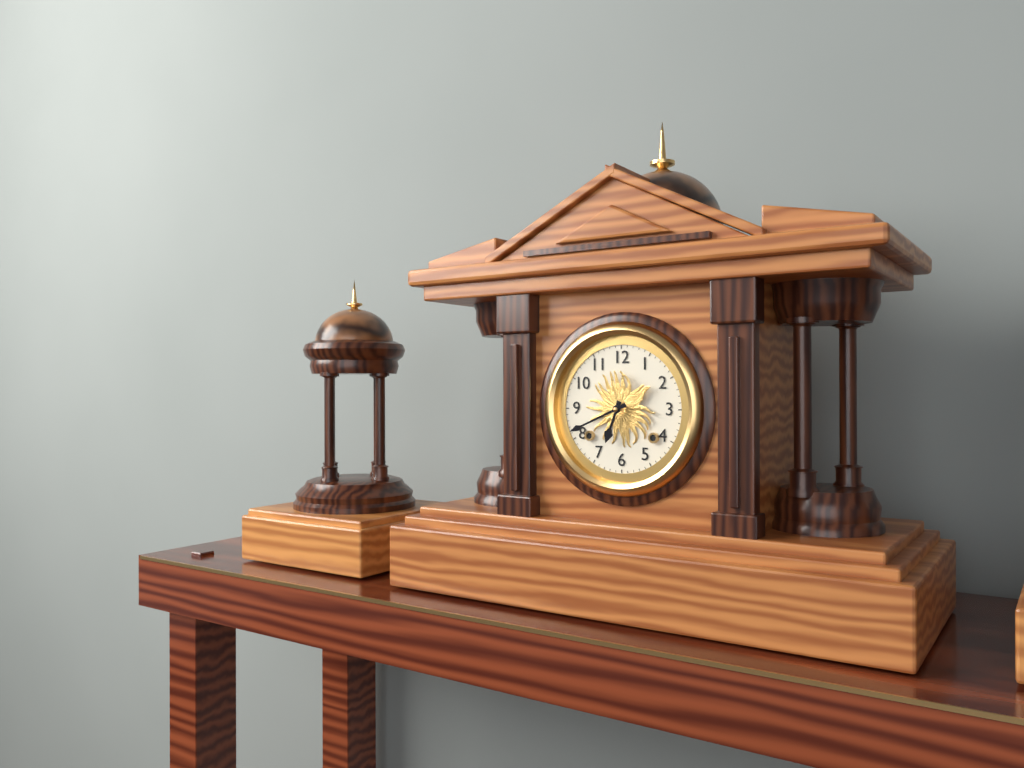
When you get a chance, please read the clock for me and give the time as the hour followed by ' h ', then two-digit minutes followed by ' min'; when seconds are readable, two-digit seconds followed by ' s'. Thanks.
6 h 41 min
